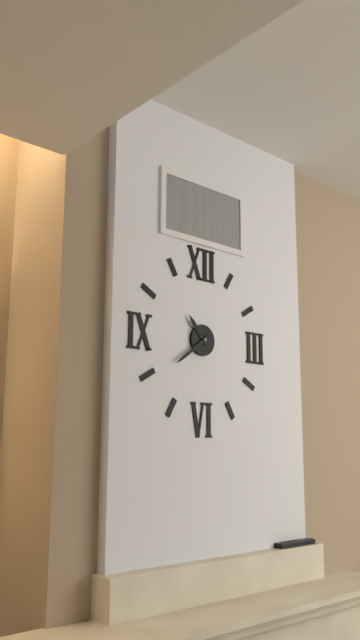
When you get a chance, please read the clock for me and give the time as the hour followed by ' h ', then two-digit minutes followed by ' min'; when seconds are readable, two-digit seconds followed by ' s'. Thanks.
10 h 39 min
